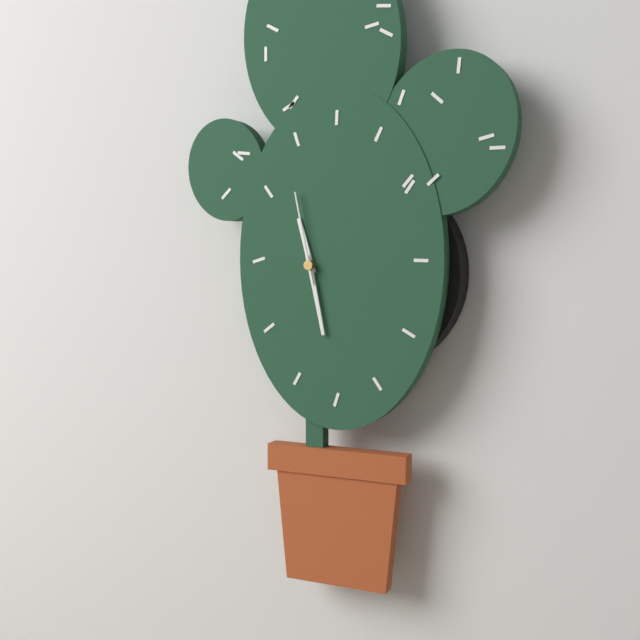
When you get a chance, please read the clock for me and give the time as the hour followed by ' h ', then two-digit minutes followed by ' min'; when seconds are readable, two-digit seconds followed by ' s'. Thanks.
11 h 28 min 58 s
